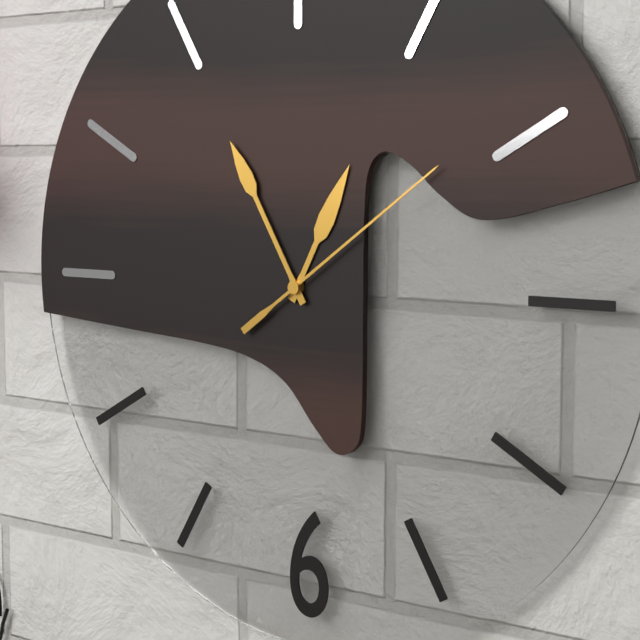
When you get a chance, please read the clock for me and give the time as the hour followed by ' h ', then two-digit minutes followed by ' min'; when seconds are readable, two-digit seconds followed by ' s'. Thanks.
12 h 55 min 09 s
